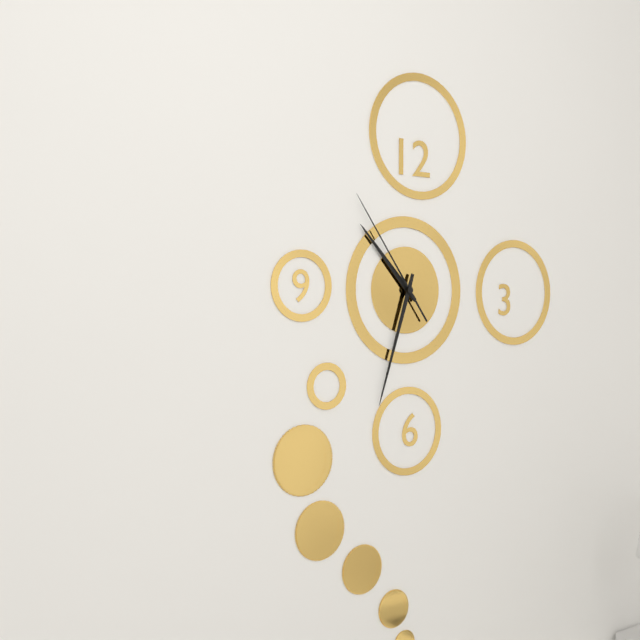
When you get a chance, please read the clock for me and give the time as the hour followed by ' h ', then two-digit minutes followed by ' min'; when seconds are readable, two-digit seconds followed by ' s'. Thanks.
10 h 33 min 54 s
